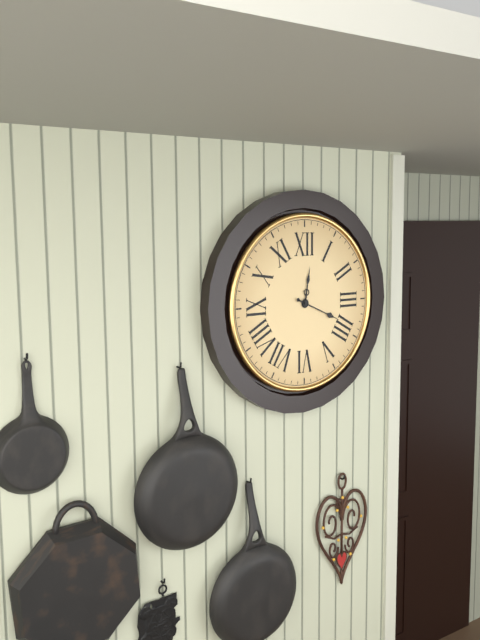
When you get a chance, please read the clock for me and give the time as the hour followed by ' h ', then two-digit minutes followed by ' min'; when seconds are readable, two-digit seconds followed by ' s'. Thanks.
12 h 19 min
